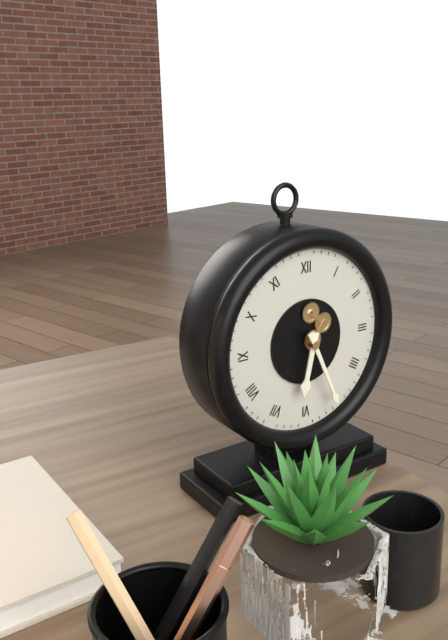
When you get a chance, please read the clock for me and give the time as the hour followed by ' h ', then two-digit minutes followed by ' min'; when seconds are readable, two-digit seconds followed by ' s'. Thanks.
6 h 26 min
